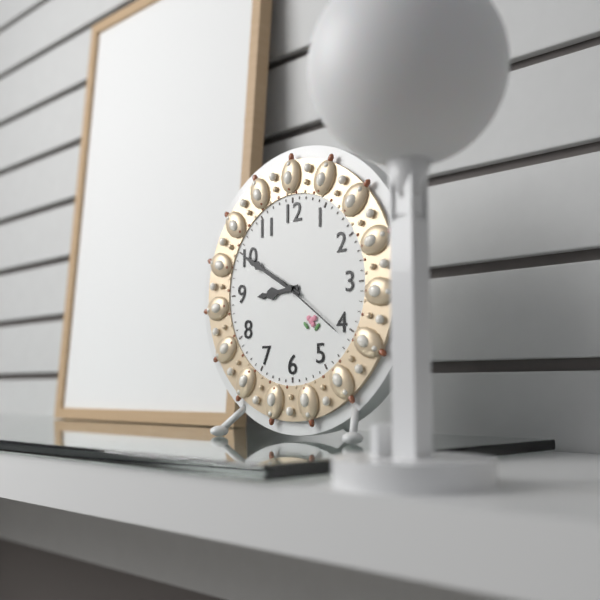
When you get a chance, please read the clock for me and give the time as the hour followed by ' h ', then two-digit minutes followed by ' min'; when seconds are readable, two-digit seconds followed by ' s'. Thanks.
8 h 50 min 21 s
